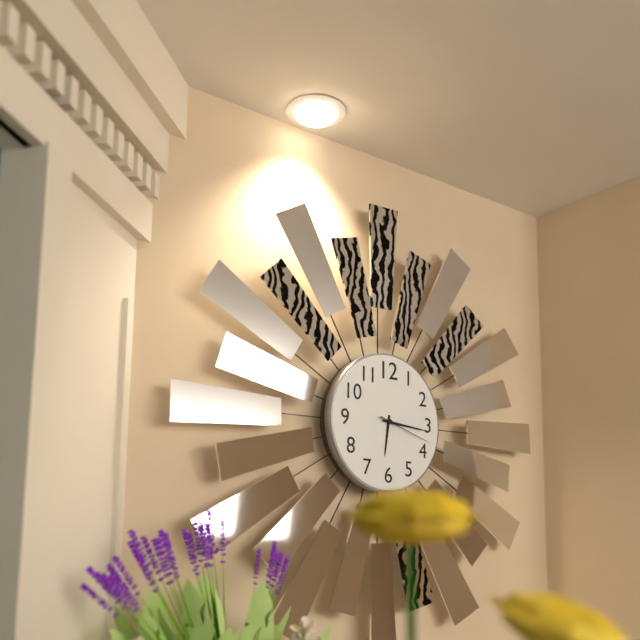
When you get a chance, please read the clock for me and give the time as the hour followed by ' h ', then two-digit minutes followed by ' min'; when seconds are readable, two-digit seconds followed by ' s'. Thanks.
6 h 16 min 18 s
